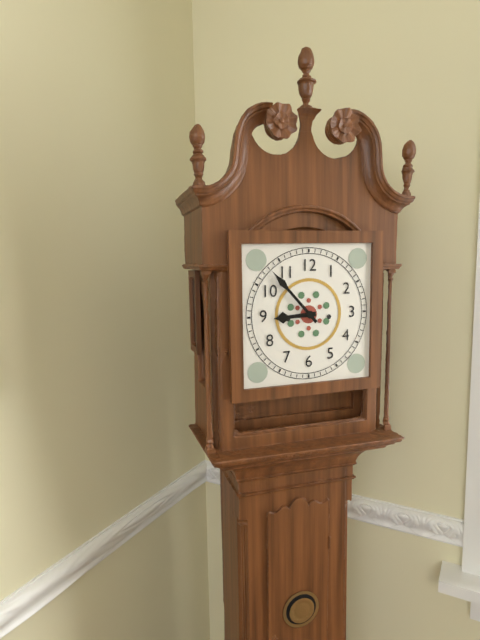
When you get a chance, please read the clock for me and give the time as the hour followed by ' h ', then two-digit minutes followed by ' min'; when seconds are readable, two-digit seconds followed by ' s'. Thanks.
8 h 53 min
